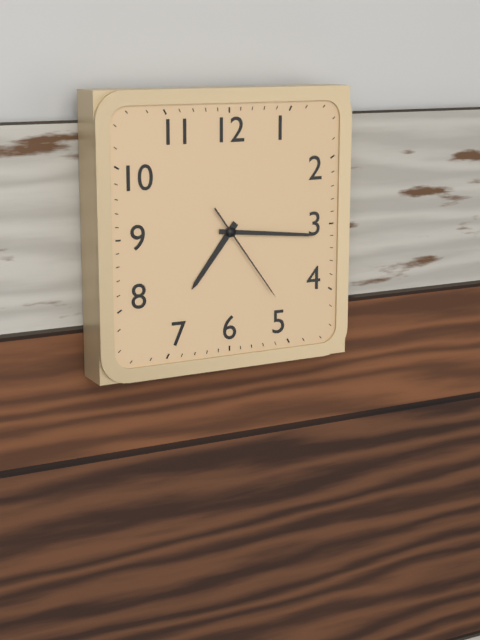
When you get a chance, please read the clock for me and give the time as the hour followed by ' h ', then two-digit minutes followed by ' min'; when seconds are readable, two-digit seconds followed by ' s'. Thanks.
7 h 16 min 24 s
